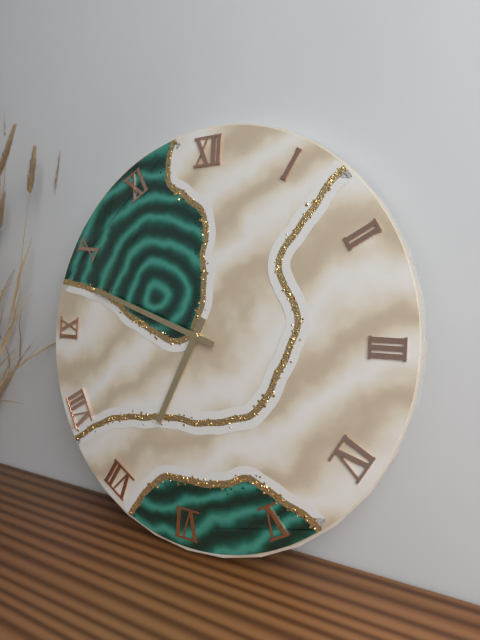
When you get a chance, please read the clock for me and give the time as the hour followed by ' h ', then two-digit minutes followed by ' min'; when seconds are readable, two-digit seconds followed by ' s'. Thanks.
6 h 48 min
